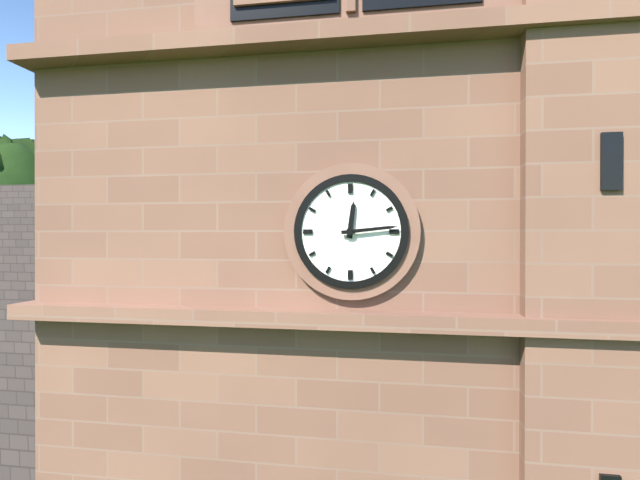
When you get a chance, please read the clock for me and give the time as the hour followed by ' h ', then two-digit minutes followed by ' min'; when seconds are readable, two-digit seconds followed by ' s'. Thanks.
12 h 14 min
